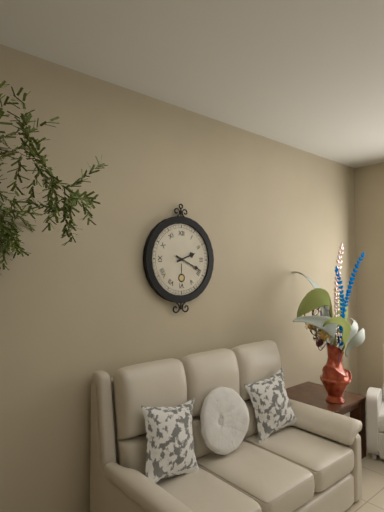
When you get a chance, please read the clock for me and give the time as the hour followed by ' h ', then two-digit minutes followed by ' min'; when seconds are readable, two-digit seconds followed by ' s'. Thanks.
2 h 19 min
